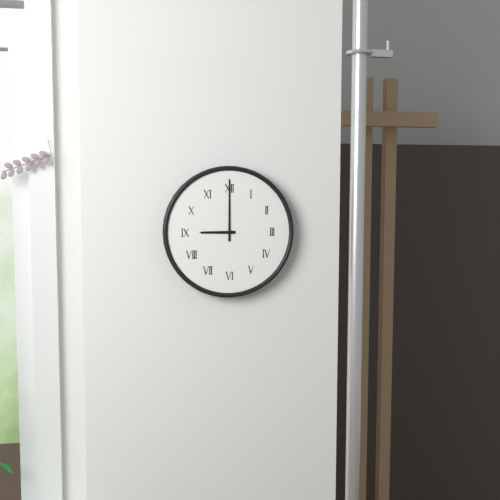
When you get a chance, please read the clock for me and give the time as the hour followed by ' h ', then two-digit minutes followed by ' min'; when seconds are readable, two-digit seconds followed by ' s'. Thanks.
9 h 00 min
